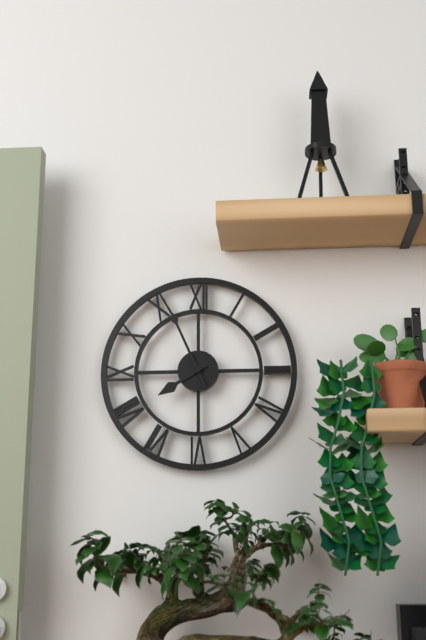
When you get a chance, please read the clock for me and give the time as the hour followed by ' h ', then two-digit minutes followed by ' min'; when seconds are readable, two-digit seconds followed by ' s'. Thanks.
7 h 56 min
